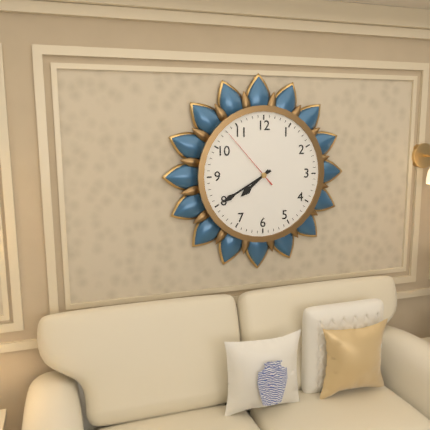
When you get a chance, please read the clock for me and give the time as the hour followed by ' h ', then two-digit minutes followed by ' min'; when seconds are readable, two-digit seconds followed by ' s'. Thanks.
7 h 40 min 53 s
